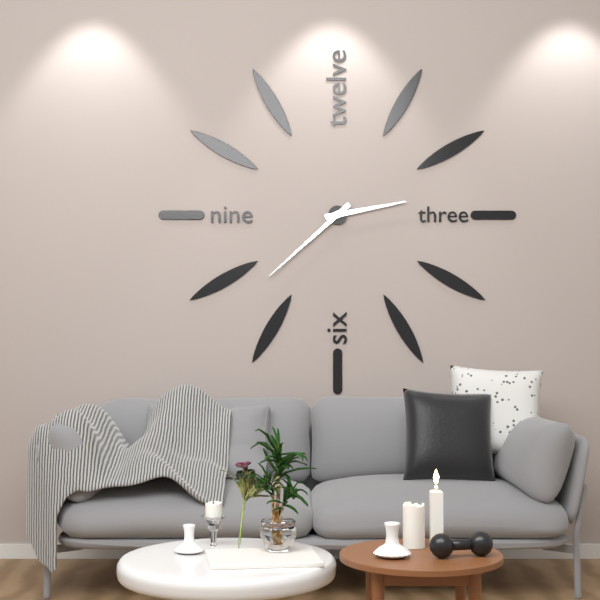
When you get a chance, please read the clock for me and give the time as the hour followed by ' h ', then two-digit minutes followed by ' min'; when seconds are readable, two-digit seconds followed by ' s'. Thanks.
2 h 38 min
